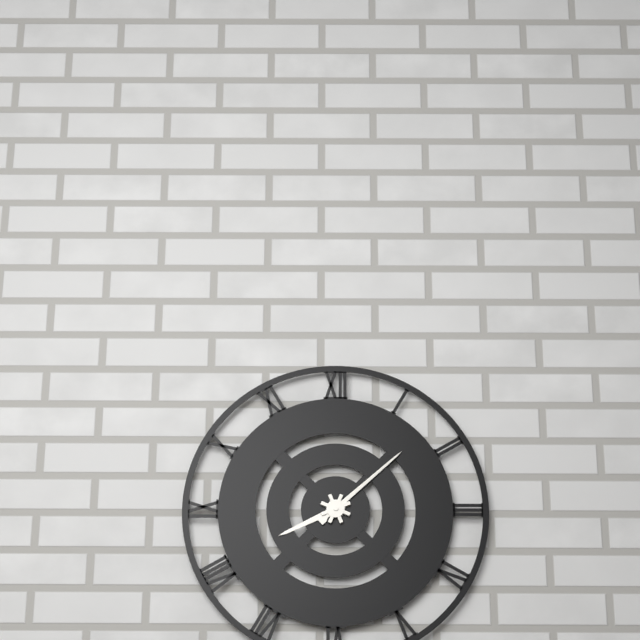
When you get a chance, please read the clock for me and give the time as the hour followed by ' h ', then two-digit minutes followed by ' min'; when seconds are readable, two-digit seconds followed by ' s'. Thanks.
8 h 08 min
